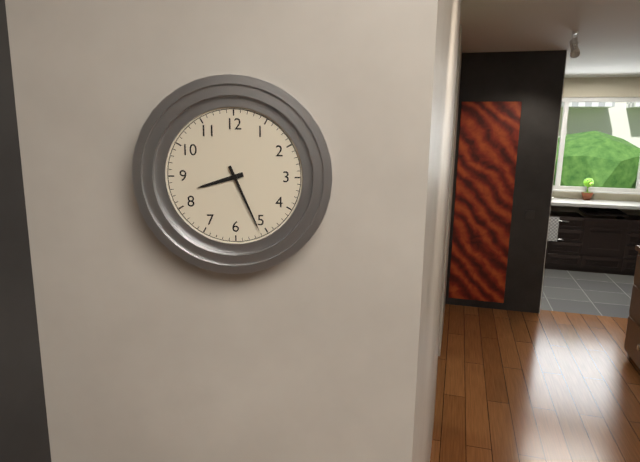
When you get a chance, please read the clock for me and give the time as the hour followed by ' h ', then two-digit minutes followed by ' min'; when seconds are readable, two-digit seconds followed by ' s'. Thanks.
8 h 26 min
